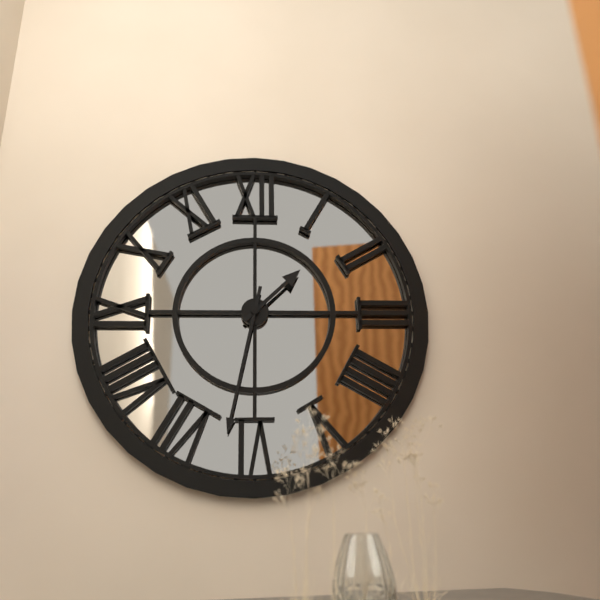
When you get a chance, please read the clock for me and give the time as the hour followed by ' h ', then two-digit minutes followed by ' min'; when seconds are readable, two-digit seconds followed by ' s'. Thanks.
1 h 32 min
